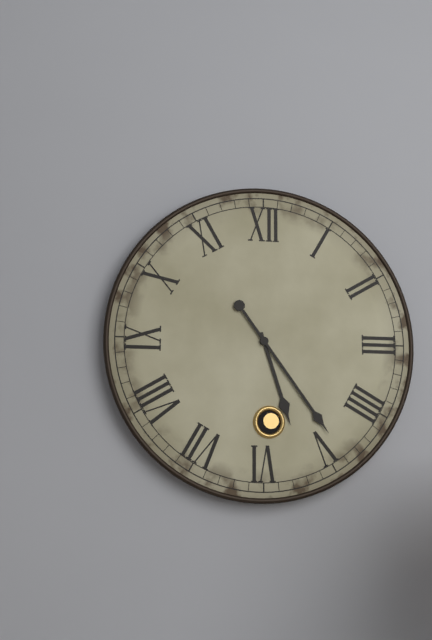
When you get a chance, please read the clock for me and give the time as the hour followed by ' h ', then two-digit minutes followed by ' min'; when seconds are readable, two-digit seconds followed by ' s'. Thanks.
5 h 24 min
